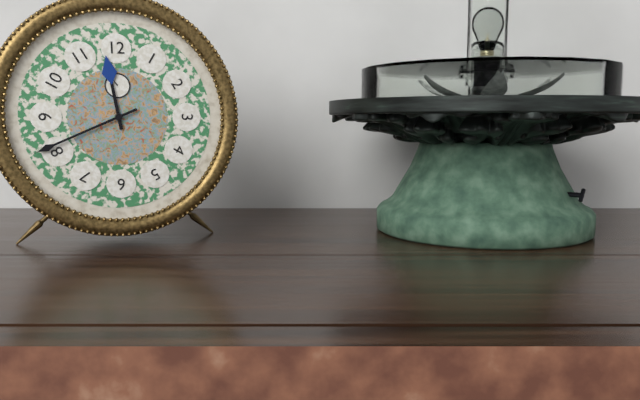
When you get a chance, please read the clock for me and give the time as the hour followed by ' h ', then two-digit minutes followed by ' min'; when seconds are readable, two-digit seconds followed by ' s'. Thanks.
11 h 41 min
